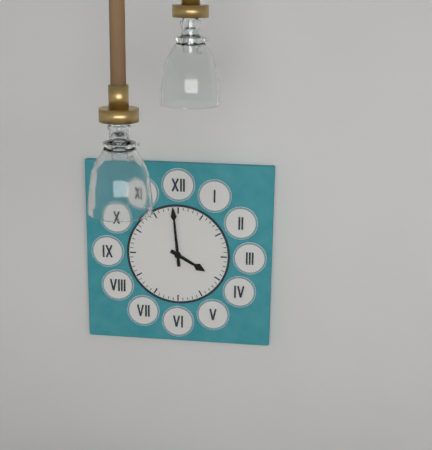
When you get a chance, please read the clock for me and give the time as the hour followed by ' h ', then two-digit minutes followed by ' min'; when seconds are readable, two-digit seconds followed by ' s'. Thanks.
3 h 59 min
